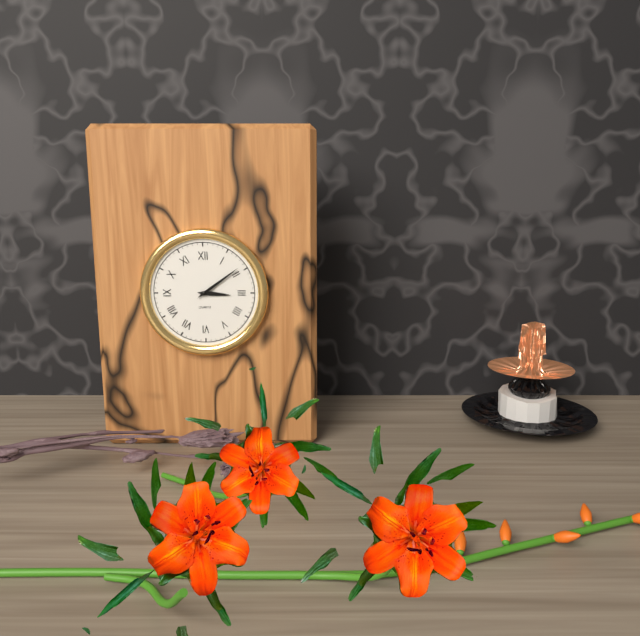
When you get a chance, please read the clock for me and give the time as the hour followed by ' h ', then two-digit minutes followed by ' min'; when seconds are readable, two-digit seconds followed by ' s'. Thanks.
3 h 09 min
